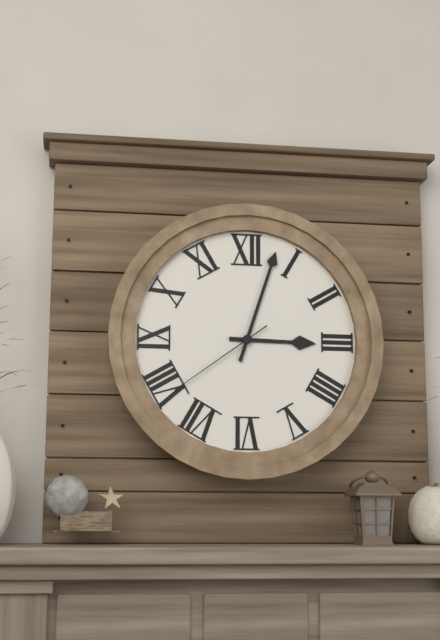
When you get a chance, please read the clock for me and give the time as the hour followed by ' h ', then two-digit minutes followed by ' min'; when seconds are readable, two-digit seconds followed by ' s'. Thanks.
3 h 03 min 39 s
